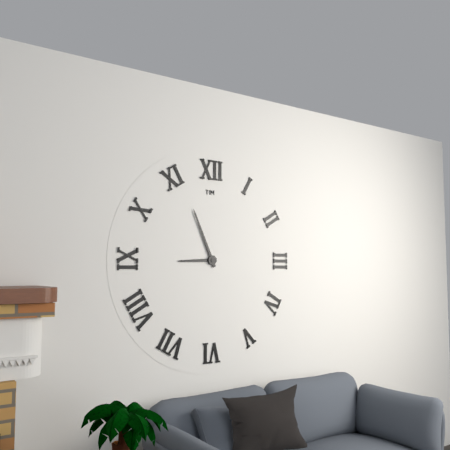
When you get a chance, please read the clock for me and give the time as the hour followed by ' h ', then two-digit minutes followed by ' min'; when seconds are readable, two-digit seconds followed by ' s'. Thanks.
8 h 56 min
